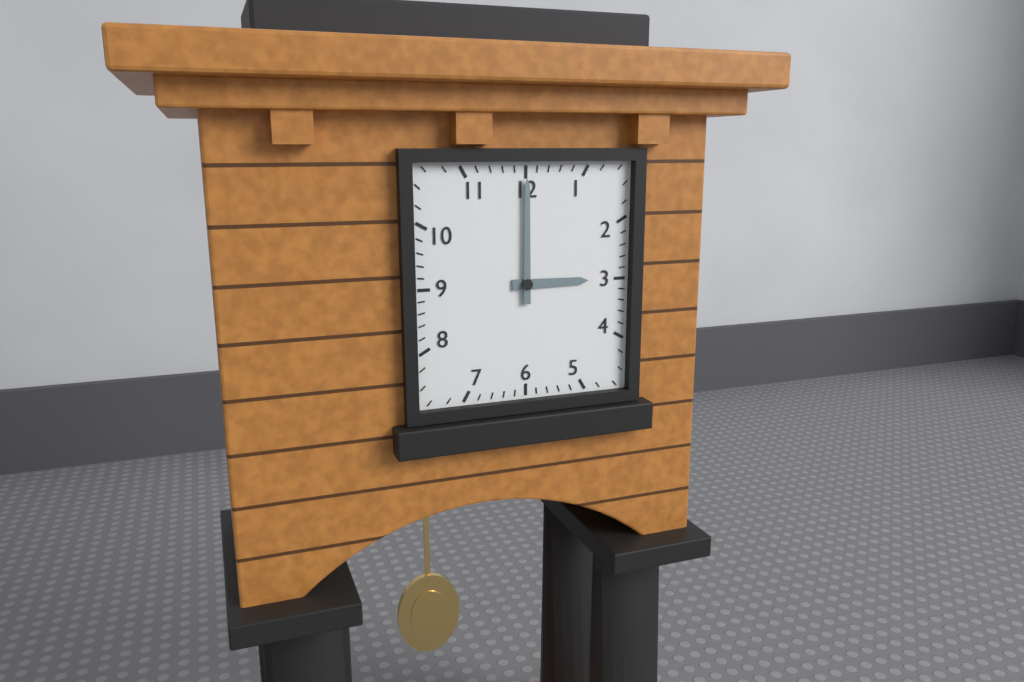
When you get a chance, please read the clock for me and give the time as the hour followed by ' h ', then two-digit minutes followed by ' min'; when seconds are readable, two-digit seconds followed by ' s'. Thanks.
3 h 00 min
